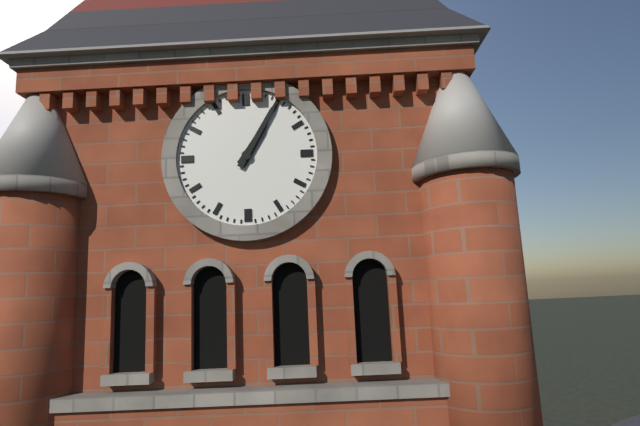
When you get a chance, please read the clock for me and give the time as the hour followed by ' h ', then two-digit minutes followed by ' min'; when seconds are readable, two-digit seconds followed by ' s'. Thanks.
1 h 05 min
